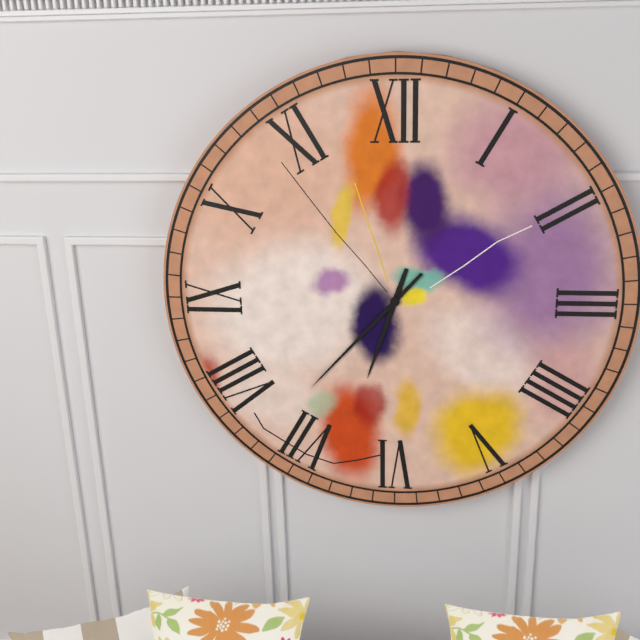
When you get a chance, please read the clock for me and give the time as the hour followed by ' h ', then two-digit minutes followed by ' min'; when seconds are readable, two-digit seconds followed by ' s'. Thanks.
6 h 37 min
